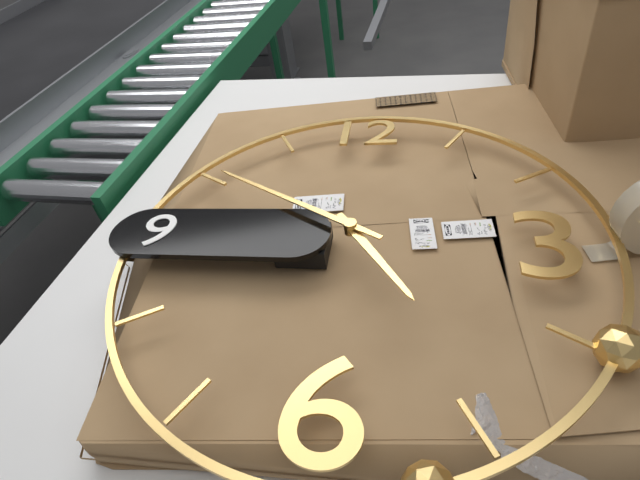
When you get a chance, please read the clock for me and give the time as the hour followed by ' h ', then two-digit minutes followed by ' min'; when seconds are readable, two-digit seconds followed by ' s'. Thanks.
4 h 50 min
